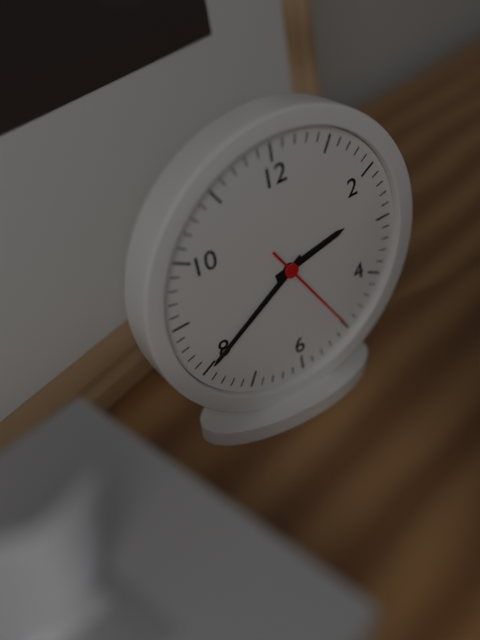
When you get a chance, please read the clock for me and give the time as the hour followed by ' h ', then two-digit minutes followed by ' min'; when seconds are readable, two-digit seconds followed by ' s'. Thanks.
2 h 40 min 25 s
